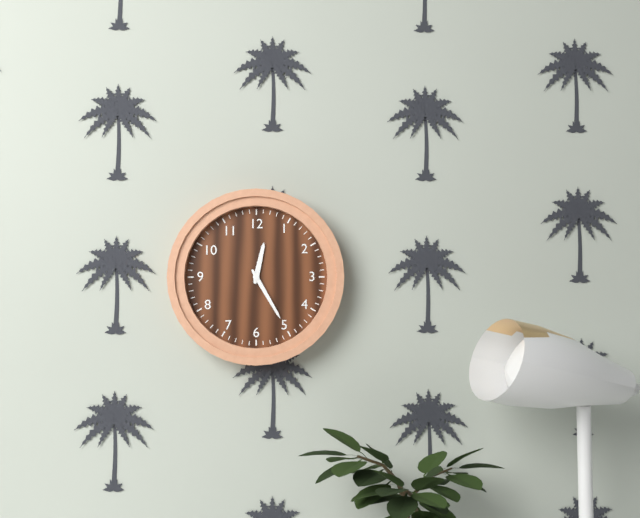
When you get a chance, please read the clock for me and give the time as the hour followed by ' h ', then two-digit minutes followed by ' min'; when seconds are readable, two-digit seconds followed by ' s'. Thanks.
12 h 25 min
